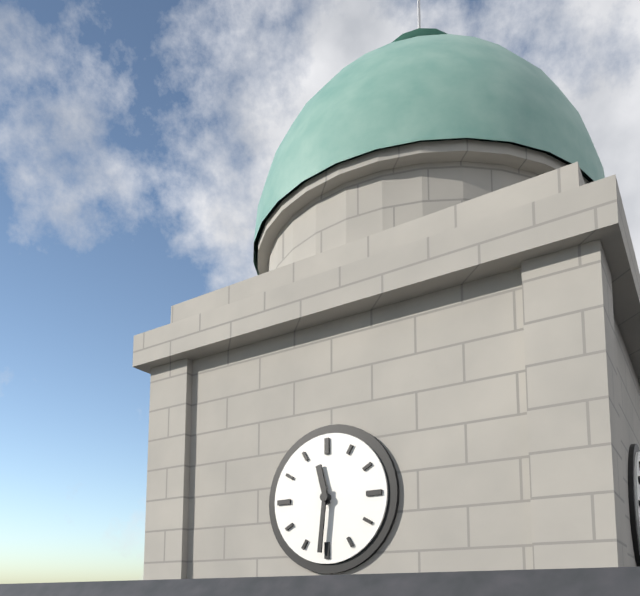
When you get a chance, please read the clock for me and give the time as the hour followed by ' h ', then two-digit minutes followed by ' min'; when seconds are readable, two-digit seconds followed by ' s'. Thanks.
11 h 31 min
